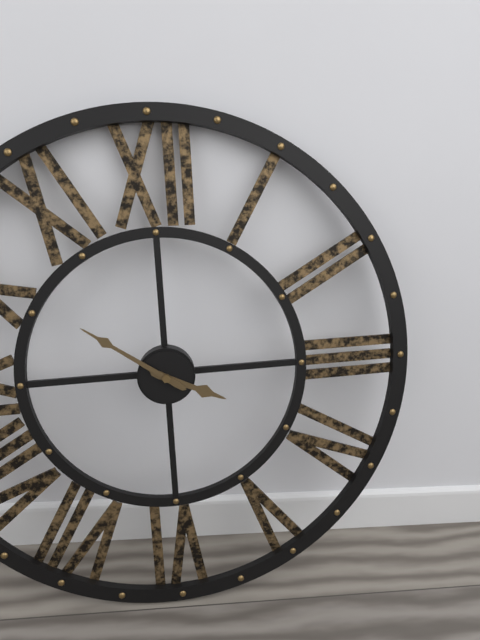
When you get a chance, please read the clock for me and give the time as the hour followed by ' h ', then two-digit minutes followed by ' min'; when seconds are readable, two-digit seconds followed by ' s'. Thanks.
3 h 51 min
